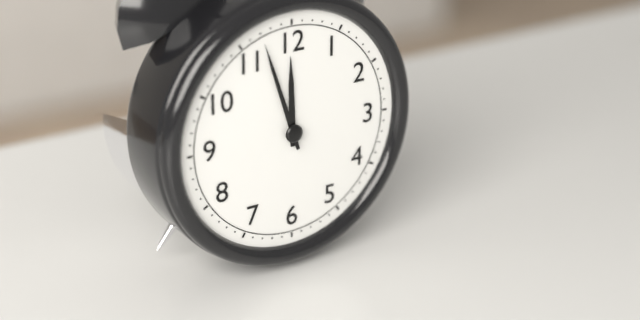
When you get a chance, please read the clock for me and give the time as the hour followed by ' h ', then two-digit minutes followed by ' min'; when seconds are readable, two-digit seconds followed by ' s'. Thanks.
11 h 57 min
